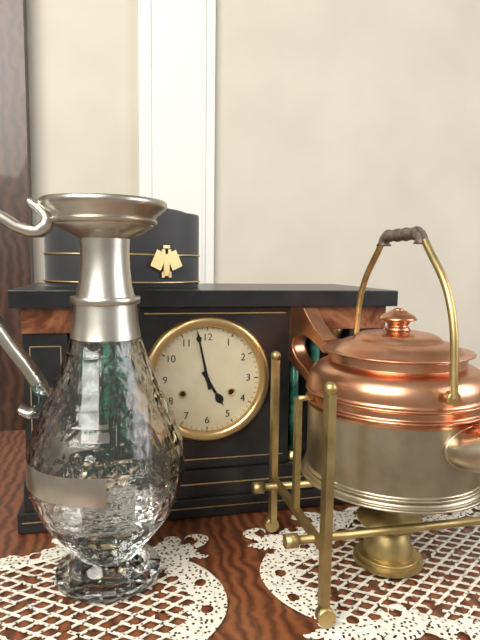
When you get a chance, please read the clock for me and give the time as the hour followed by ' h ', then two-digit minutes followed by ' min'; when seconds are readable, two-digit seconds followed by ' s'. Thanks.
4 h 58 min
